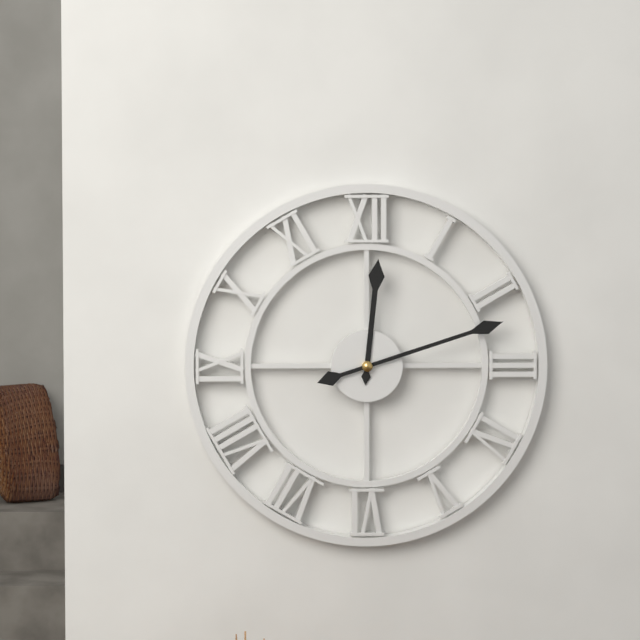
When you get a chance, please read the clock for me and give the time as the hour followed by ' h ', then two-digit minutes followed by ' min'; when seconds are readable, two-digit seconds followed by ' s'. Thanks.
12 h 12 min
